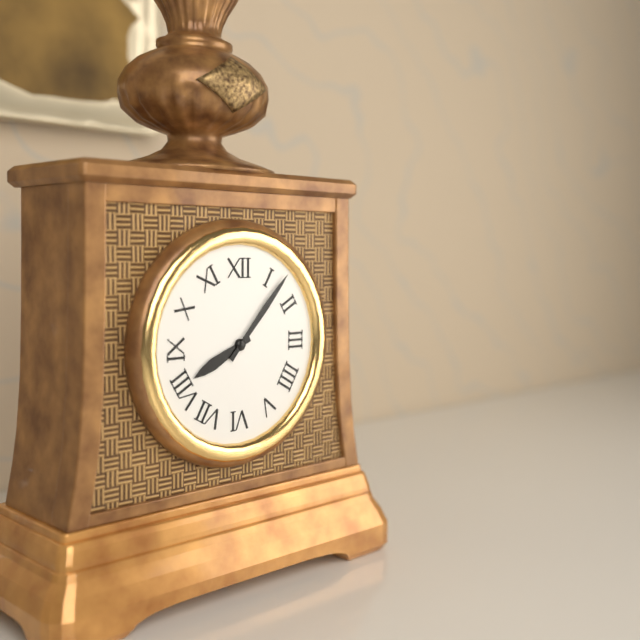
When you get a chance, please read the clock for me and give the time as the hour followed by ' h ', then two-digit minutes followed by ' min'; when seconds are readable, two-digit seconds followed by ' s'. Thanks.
8 h 07 min
